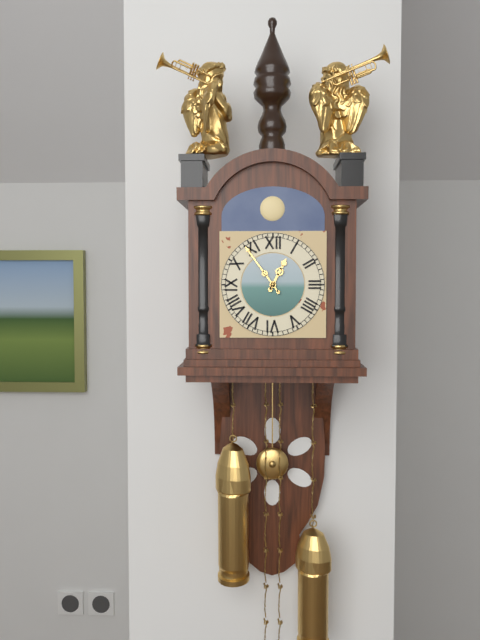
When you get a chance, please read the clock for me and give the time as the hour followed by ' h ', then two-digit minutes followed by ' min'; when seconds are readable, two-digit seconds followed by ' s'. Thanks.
12 h 54 min
